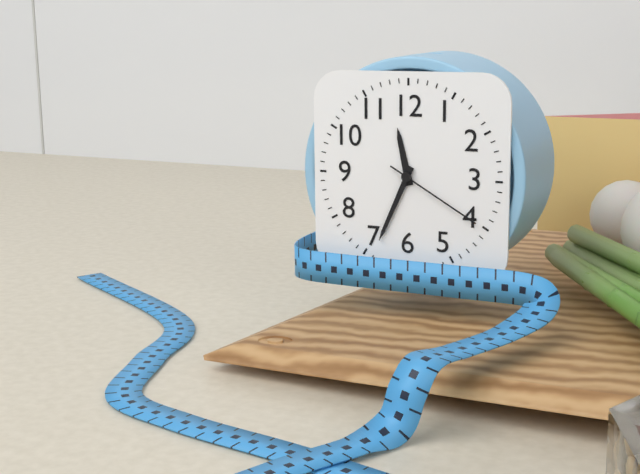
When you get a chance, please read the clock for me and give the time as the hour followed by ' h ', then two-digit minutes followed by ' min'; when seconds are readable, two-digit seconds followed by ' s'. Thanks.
11 h 34 min 20 s
